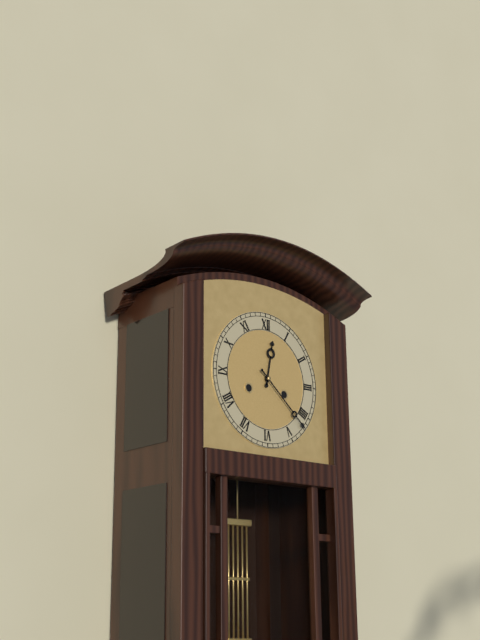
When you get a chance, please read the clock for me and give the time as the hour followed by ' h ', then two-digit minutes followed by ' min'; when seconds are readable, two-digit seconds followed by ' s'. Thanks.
12 h 22 min
